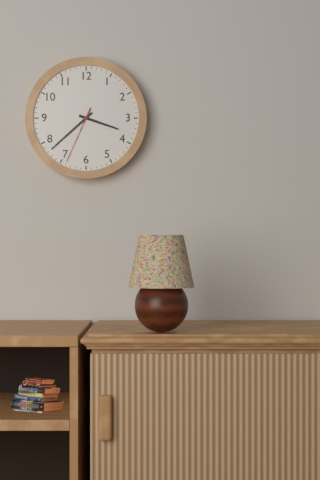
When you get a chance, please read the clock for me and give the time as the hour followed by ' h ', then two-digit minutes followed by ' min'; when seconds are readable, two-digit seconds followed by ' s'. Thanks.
3 h 38 min 34 s
